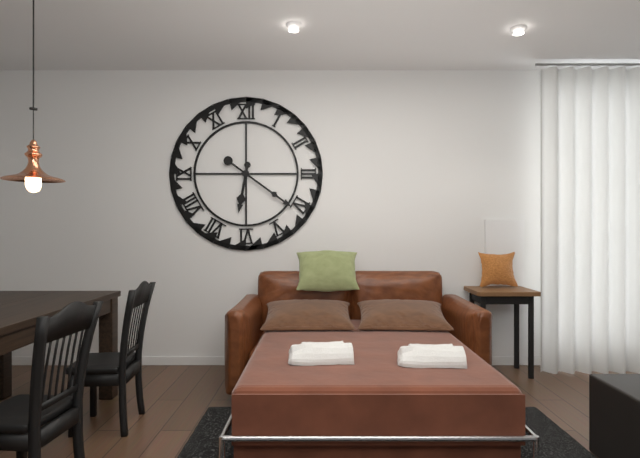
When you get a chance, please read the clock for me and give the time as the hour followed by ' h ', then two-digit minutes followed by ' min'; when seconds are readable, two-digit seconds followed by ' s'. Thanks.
6 h 21 min
